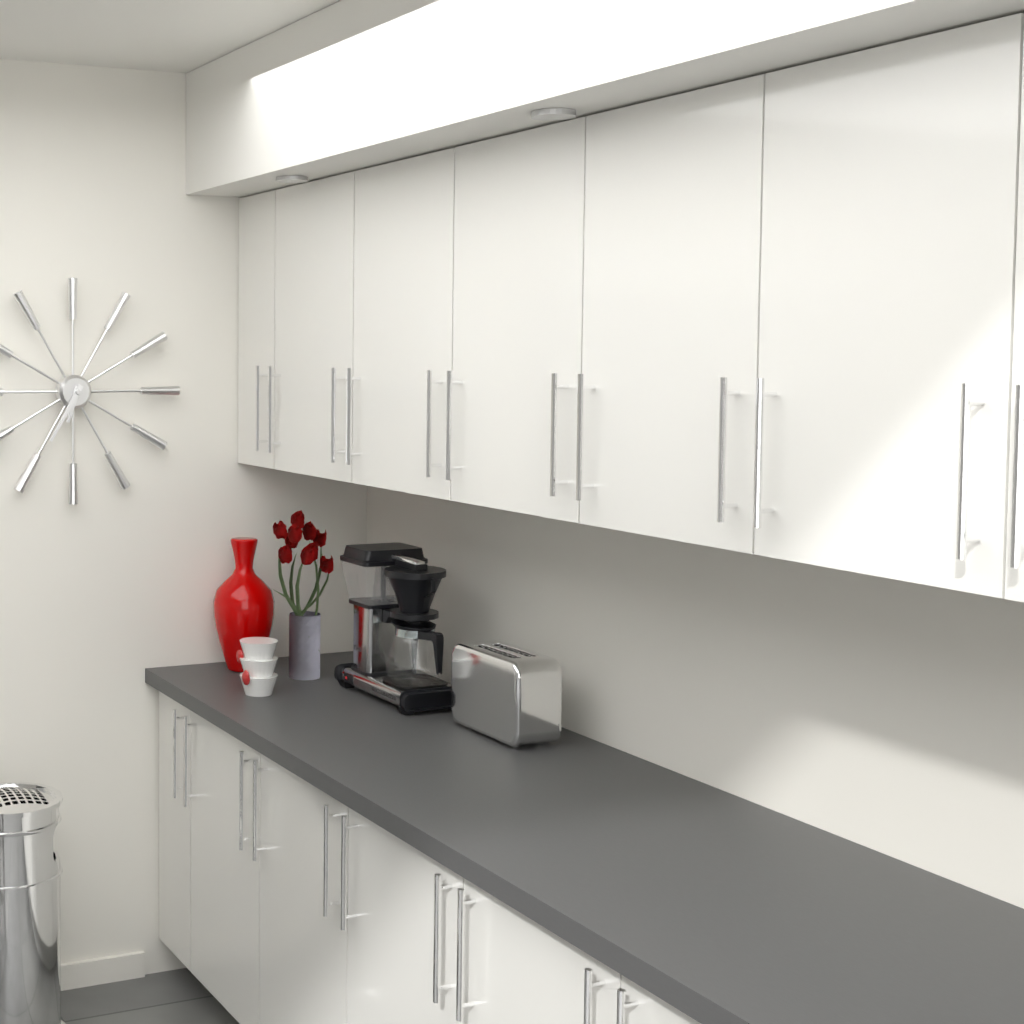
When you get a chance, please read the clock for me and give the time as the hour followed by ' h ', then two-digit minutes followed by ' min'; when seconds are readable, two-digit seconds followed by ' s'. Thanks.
6 h 35 min
